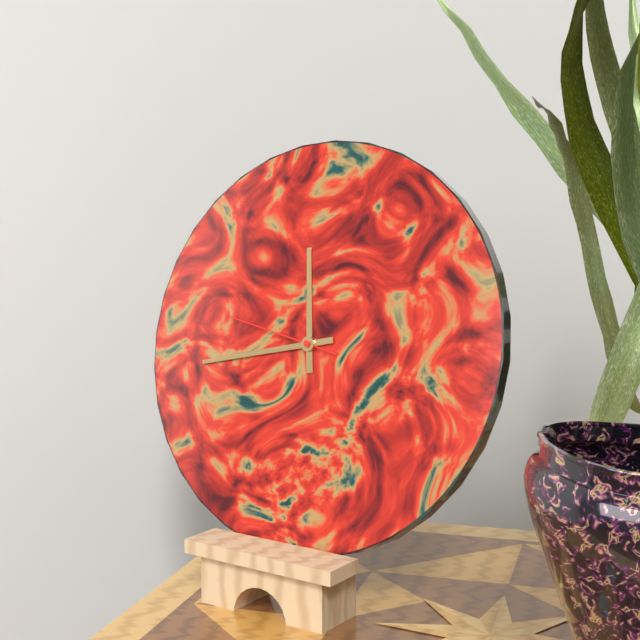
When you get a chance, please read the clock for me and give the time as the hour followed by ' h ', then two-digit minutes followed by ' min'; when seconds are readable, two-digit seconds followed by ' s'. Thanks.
11 h 43 min 47 s
